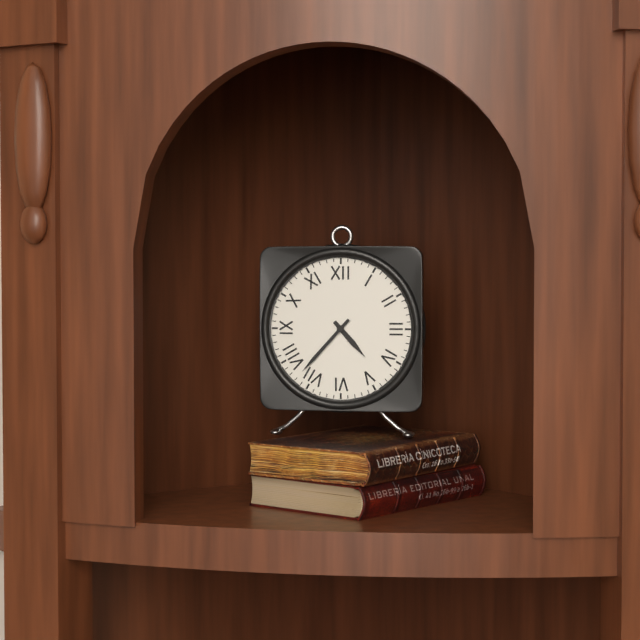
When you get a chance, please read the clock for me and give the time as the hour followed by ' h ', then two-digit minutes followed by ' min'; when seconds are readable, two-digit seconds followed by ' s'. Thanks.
4 h 37 min
